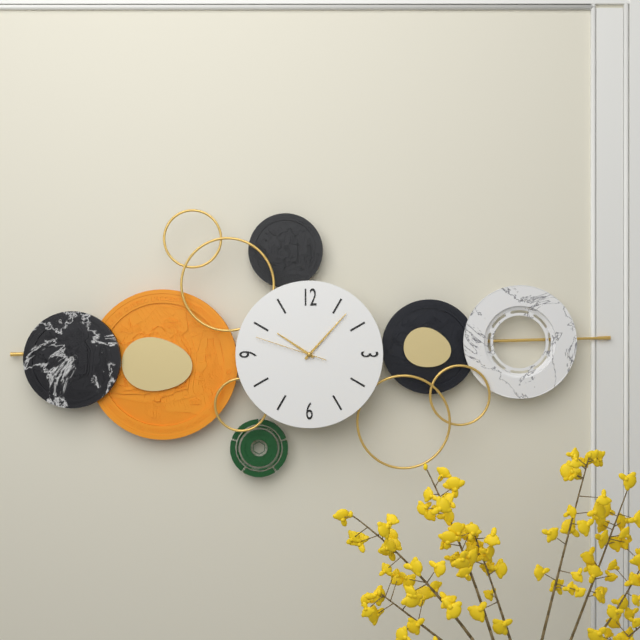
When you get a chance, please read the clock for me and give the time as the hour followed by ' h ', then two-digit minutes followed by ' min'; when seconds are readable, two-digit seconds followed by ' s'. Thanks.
10 h 07 min 48 s
